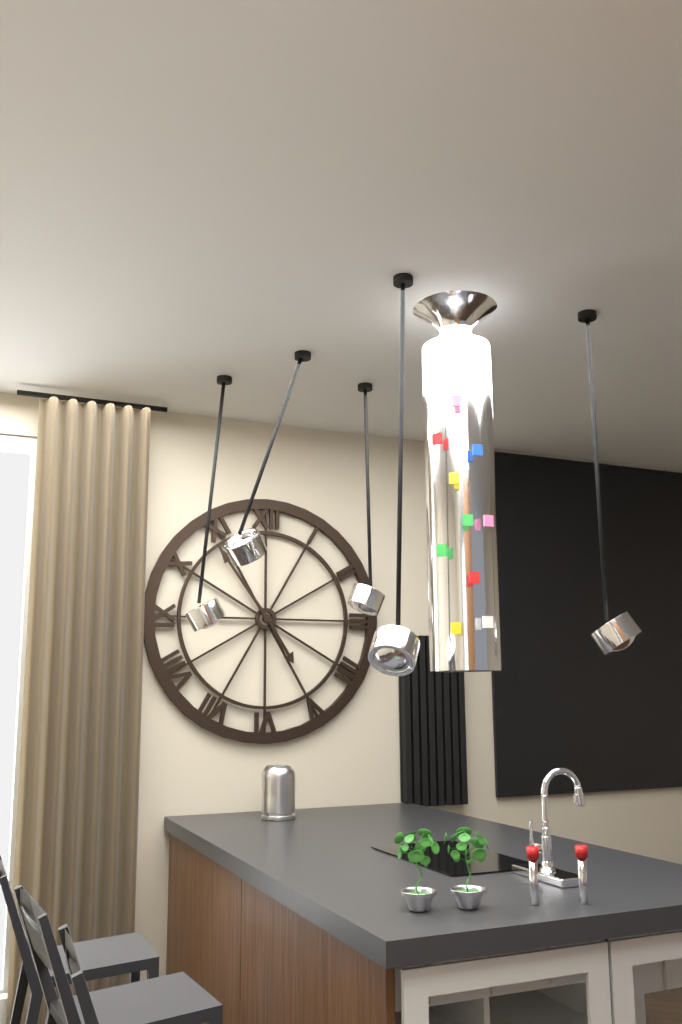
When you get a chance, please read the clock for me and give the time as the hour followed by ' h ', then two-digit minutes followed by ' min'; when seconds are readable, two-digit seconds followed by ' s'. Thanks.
4 h 54 min
